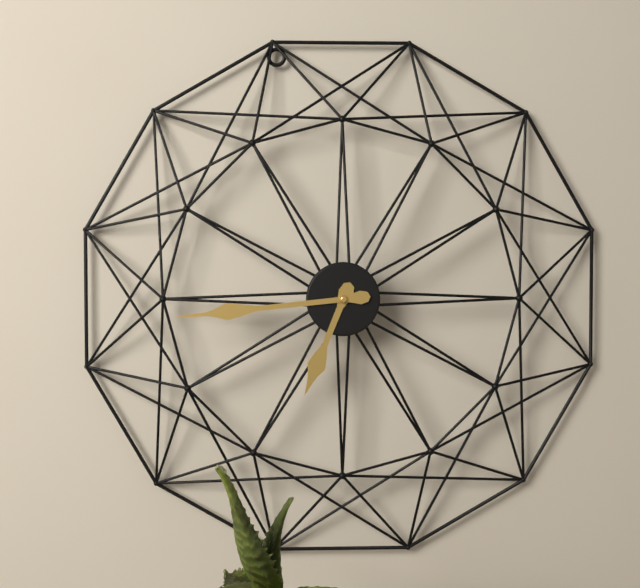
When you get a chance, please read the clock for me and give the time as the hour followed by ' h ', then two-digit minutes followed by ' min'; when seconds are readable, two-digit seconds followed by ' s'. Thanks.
6 h 44 min
